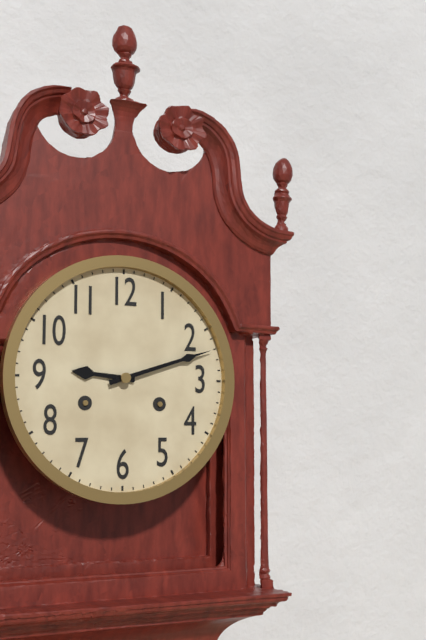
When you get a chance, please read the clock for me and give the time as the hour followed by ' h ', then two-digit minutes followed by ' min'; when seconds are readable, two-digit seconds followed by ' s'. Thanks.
9 h 12 min
